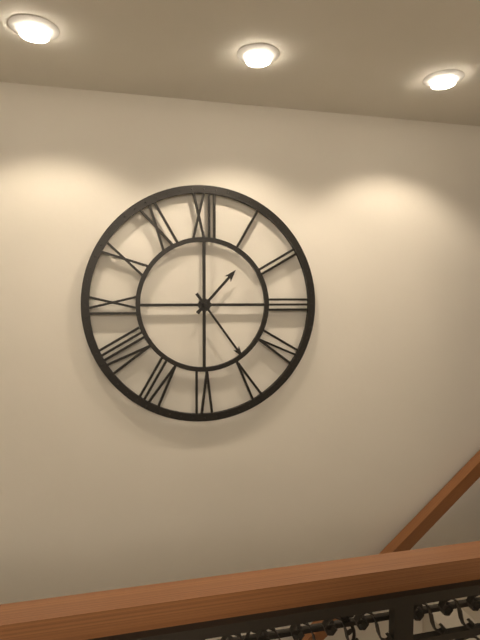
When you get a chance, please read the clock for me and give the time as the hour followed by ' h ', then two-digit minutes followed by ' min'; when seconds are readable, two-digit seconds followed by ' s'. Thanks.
1 h 24 min
